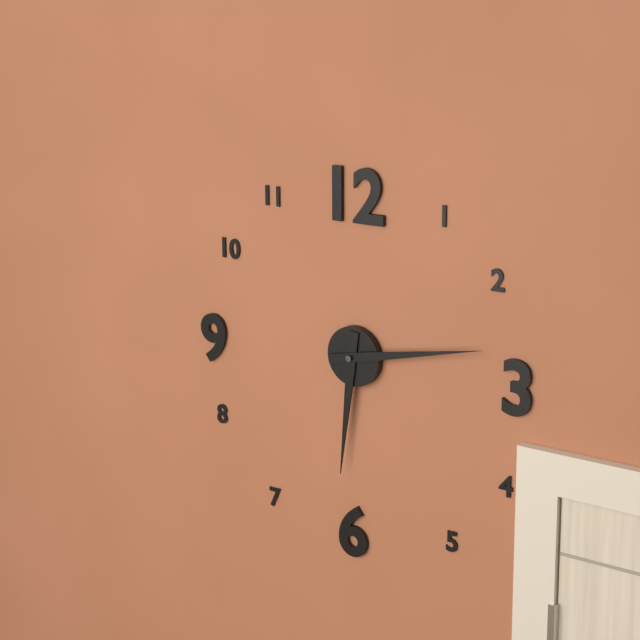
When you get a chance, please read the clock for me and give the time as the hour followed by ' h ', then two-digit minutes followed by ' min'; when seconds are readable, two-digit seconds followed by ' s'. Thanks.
6 h 13 min
